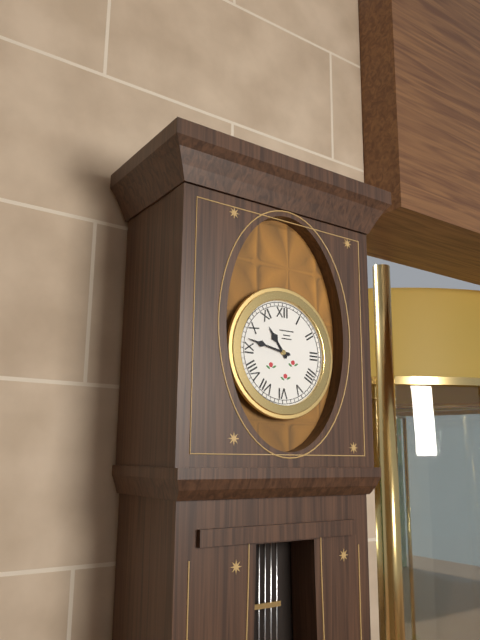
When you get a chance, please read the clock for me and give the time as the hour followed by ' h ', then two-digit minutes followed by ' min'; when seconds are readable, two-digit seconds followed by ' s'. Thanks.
10 h 47 min
